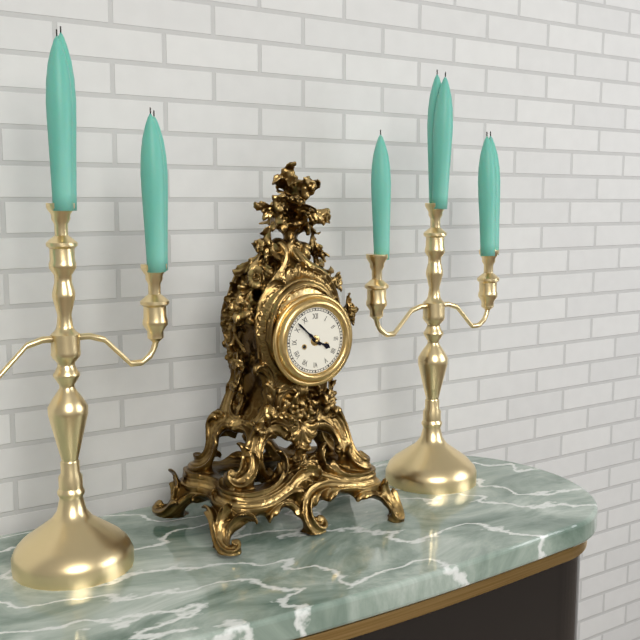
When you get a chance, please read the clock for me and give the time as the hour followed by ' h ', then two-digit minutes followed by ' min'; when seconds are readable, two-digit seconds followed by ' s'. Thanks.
3 h 52 min
